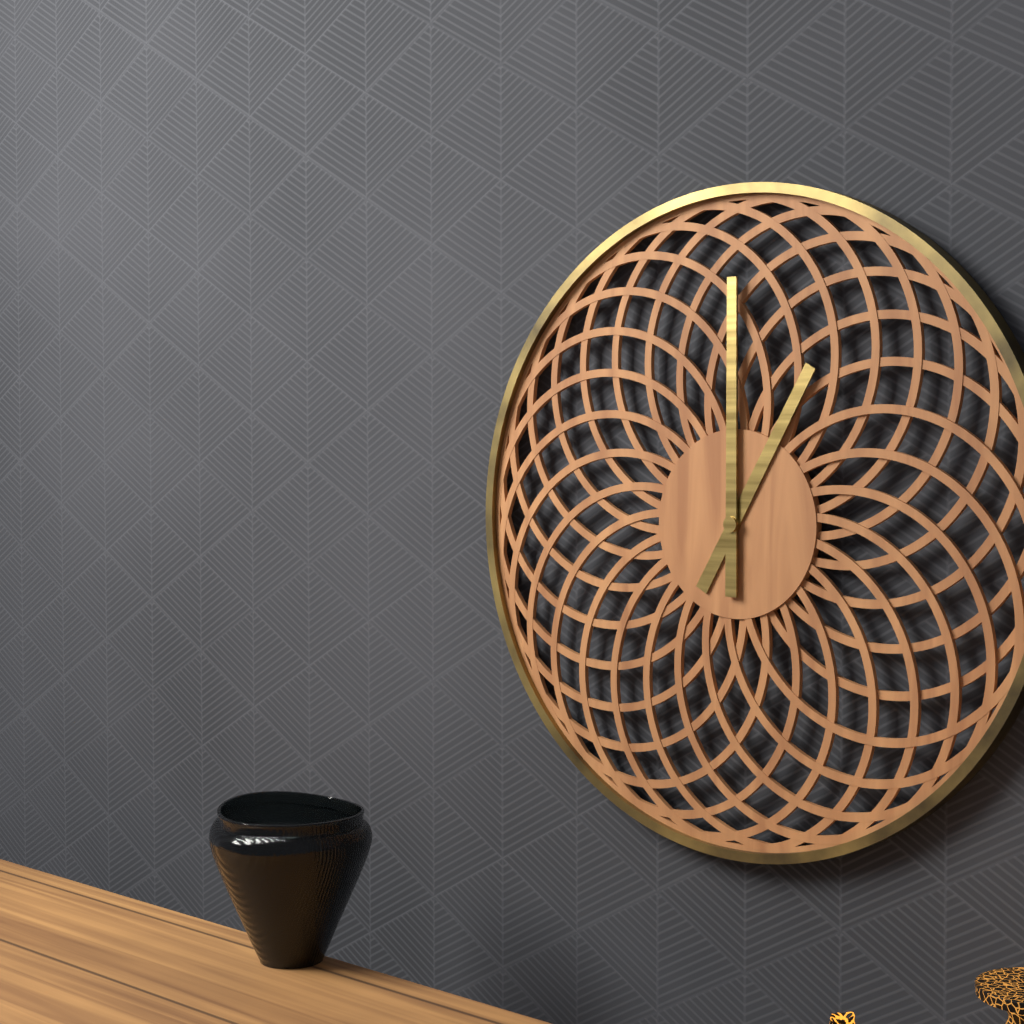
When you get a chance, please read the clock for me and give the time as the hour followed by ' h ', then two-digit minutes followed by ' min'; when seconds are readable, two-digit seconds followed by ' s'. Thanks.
1 h 00 min
